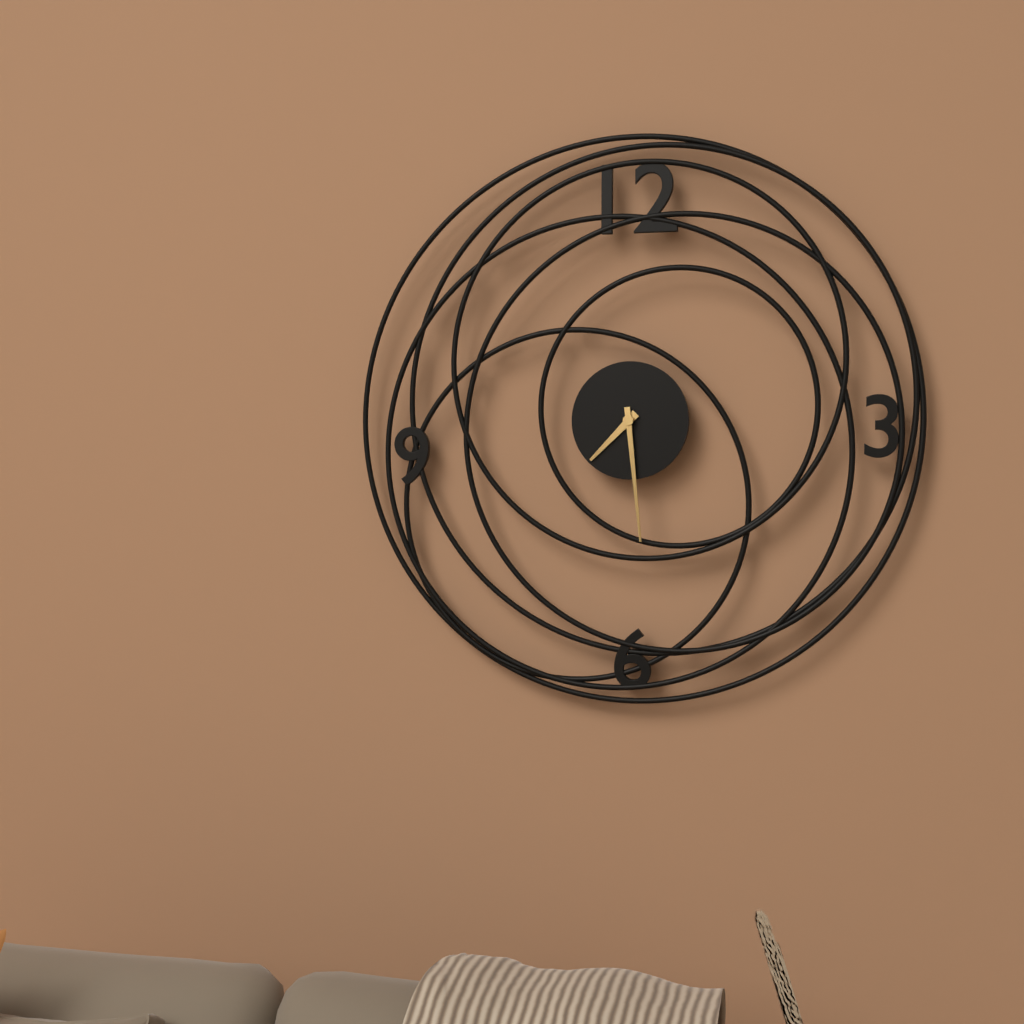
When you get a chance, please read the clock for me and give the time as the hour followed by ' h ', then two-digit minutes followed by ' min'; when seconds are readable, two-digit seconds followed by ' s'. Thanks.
7 h 29 min
